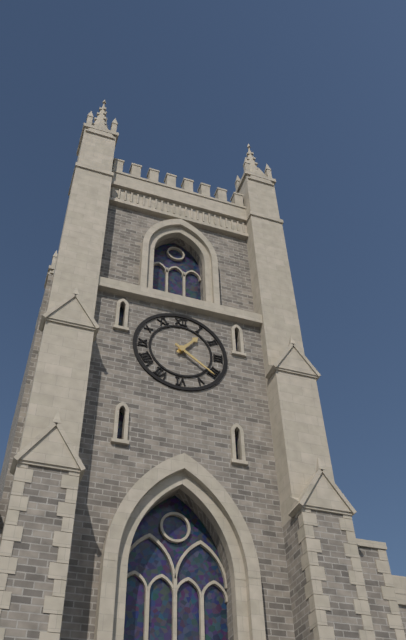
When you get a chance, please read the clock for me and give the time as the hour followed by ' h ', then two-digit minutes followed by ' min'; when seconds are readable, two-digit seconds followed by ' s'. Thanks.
1 h 21 min
